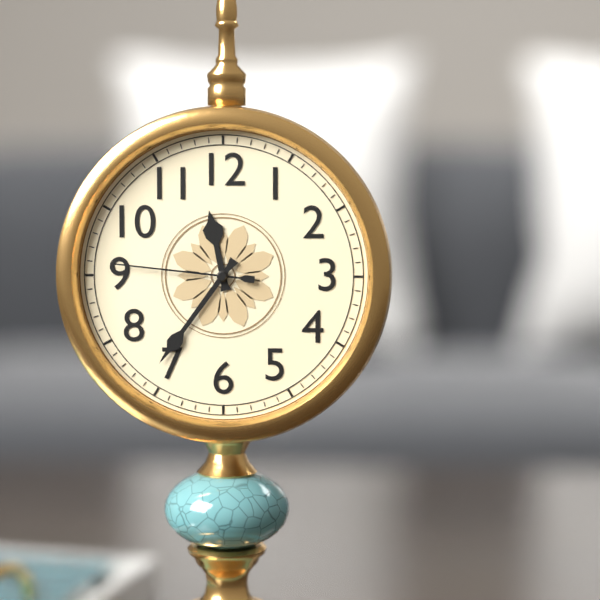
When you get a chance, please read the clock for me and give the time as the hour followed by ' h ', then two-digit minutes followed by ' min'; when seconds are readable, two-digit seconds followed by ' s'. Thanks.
11 h 36 min 46 s
